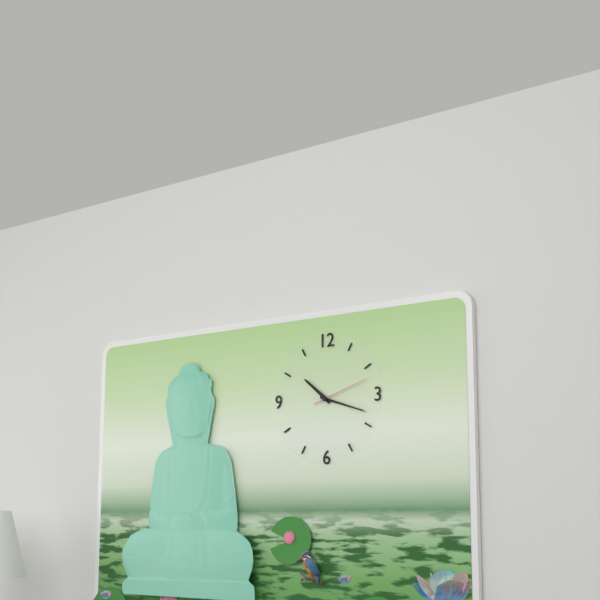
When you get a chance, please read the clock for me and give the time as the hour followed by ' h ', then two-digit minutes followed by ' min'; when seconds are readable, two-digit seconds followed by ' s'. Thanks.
10 h 18 min 12 s
